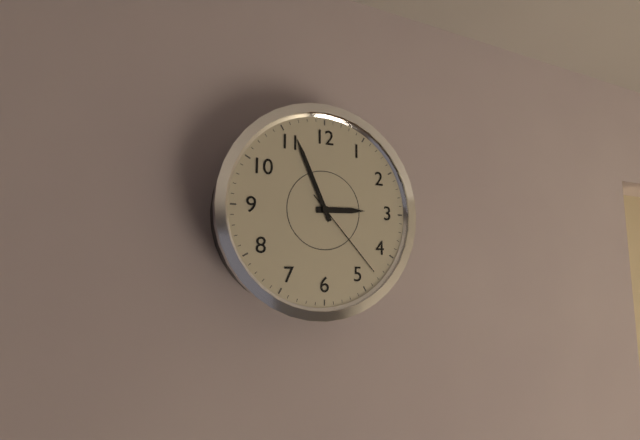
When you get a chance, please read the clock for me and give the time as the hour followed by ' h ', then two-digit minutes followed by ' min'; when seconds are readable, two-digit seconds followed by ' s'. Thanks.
2 h 56 min 23 s
